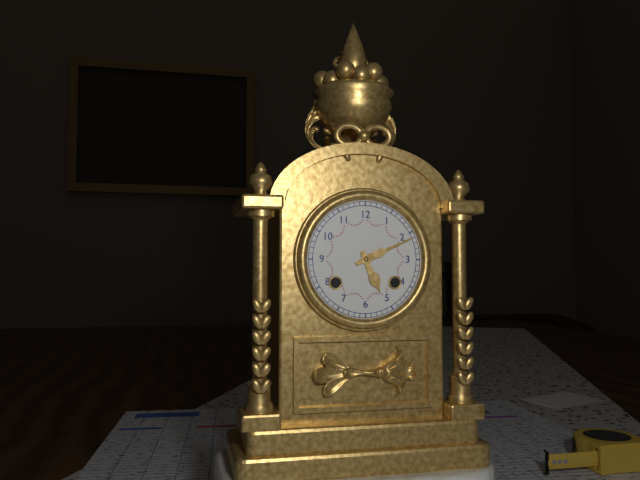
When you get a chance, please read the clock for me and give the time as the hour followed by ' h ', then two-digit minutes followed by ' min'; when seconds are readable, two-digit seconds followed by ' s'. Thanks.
5 h 11 min
